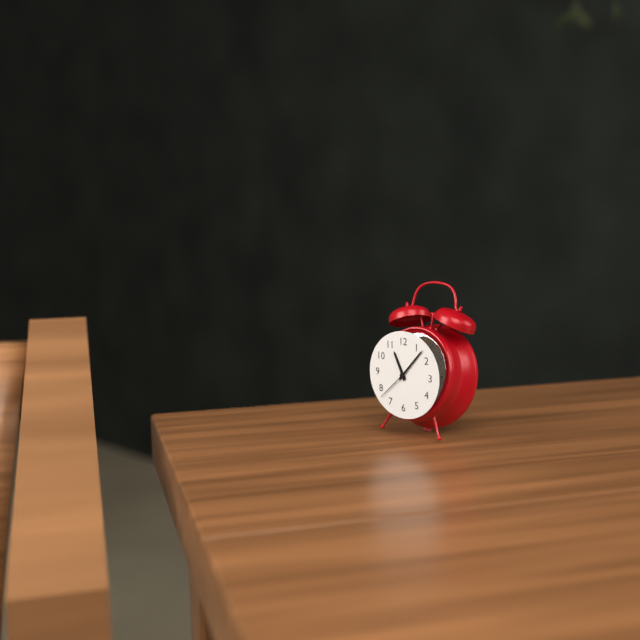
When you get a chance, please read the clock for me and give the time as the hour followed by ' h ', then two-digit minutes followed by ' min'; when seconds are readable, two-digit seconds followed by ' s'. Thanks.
11 h 07 min
